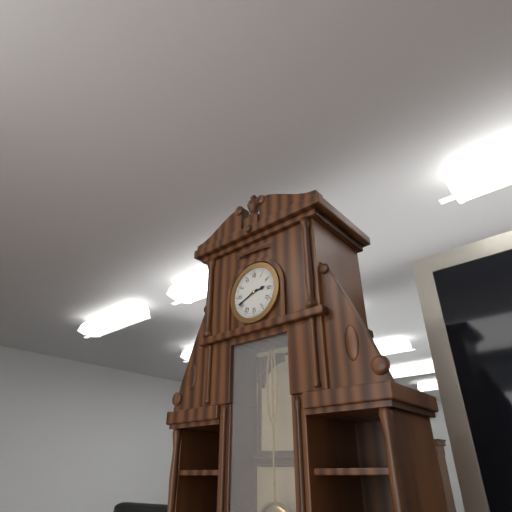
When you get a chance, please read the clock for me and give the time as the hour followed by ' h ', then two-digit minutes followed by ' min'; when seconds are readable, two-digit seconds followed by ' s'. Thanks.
2 h 41 min
